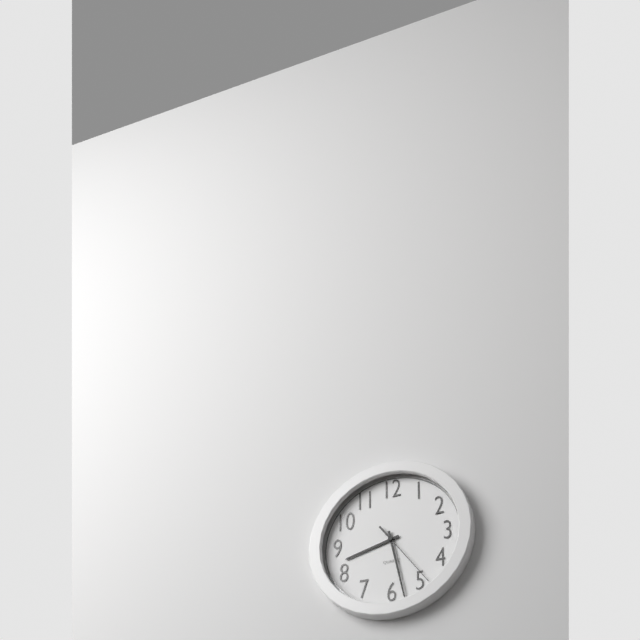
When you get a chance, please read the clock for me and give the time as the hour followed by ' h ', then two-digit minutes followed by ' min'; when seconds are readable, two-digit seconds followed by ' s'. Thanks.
8 h 28 min 24 s
